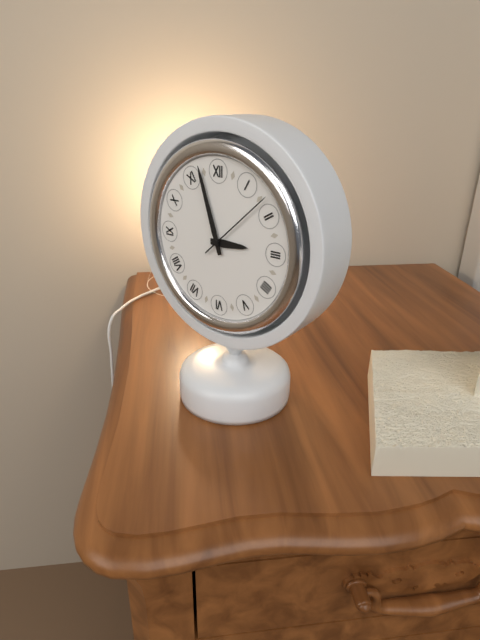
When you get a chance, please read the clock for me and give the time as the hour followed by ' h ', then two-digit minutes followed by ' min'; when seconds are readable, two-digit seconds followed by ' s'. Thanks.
2 h 57 min 08 s
